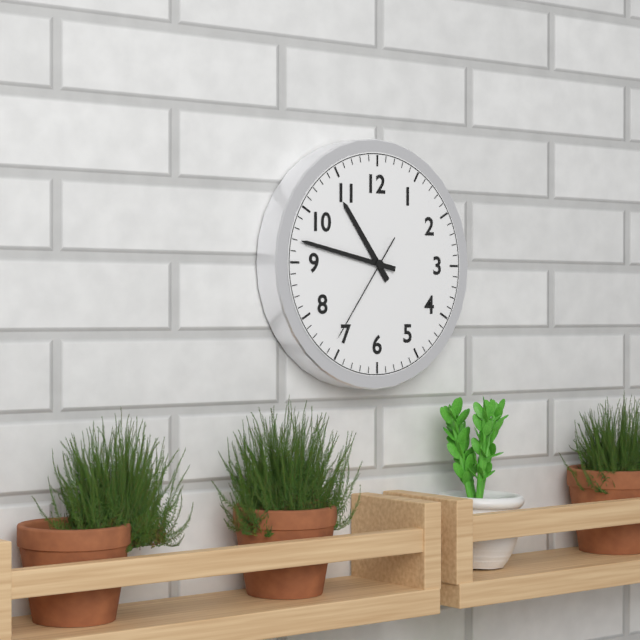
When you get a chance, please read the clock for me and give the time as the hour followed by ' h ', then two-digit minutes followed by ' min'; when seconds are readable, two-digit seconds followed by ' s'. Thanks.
10 h 47 min 36 s
